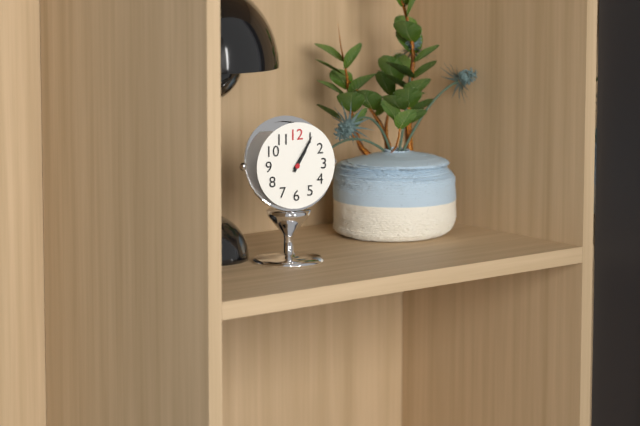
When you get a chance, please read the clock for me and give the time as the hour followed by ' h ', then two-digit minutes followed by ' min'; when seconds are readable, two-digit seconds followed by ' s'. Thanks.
1 h 05 min
